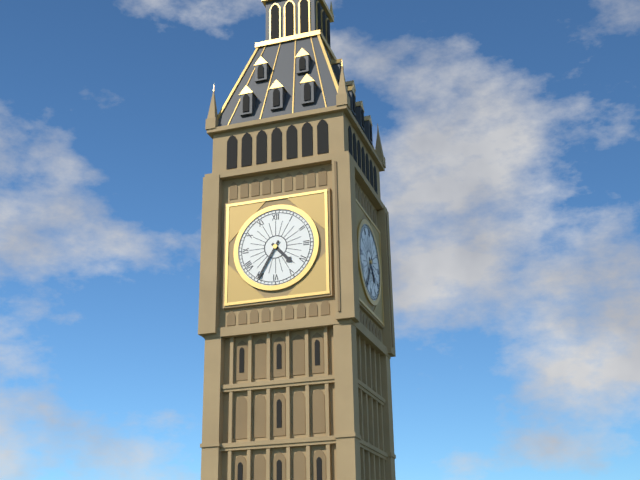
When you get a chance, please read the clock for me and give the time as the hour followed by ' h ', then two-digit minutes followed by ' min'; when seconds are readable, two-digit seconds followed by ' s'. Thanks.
4 h 35 min
